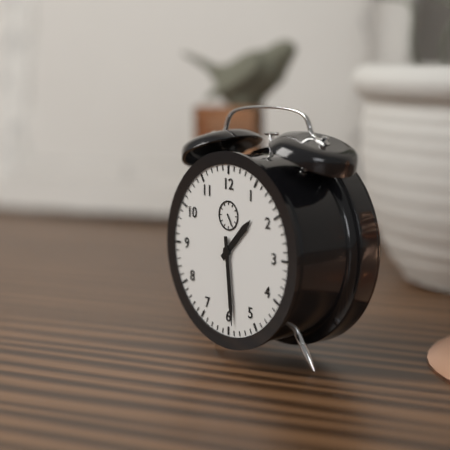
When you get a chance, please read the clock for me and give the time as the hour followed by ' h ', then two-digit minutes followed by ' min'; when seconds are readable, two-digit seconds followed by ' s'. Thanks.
1 h 29 min
